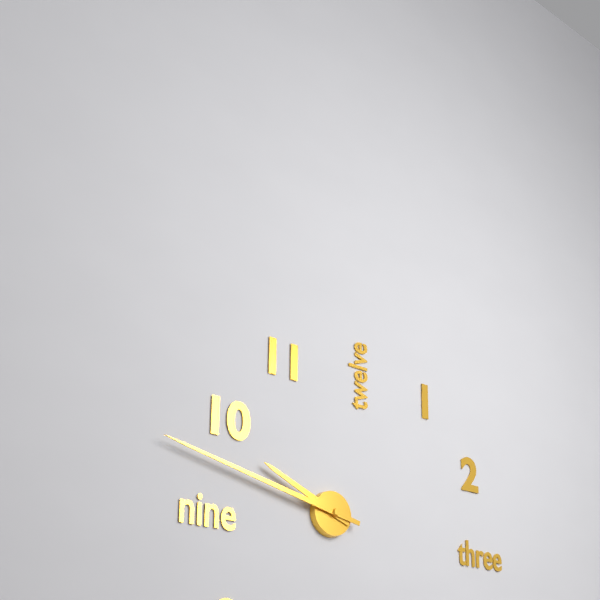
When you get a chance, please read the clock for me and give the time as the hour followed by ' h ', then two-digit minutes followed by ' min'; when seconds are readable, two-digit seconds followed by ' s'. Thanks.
9 h 47 min
